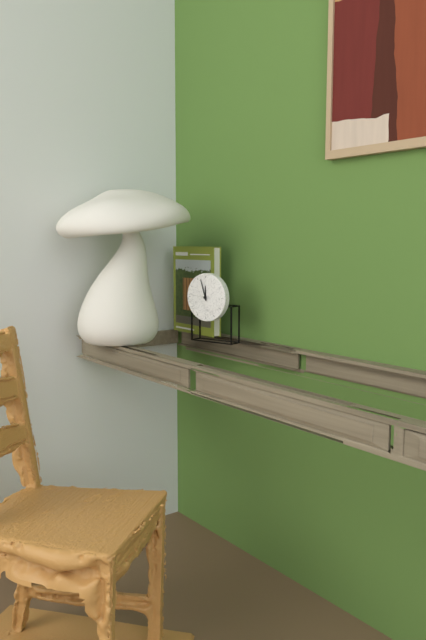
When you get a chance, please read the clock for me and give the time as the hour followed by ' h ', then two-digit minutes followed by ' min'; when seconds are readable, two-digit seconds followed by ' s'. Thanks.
11 h 57 min
